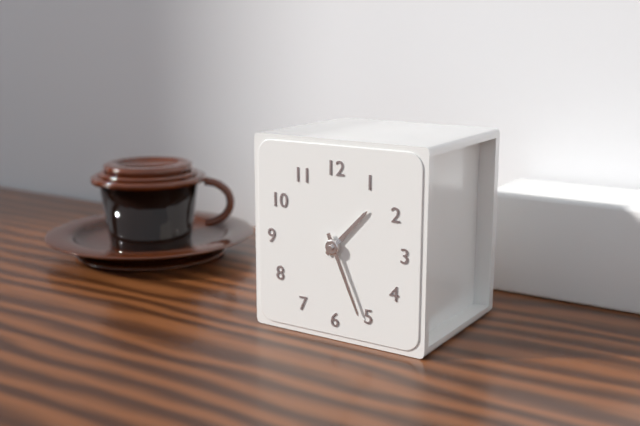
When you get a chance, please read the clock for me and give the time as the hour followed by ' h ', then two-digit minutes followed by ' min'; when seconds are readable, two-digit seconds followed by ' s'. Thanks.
1 h 26 min
